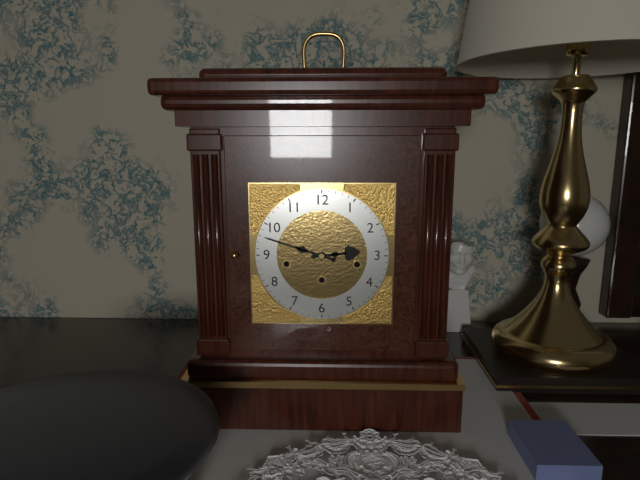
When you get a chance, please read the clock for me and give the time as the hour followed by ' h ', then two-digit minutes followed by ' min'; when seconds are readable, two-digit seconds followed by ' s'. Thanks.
2 h 48 min
